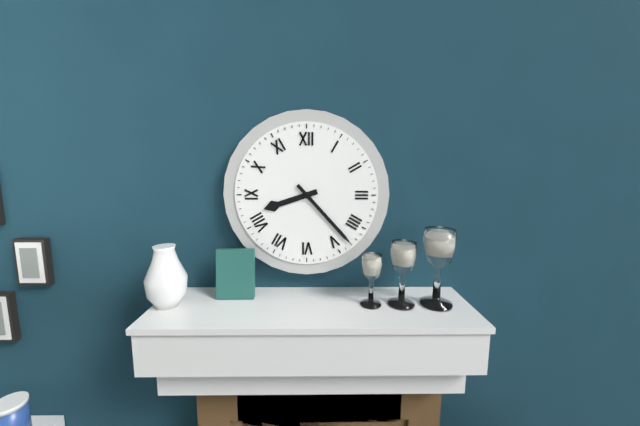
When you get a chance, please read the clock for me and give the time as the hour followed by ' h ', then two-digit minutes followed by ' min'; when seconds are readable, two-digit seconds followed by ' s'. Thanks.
8 h 23 min
